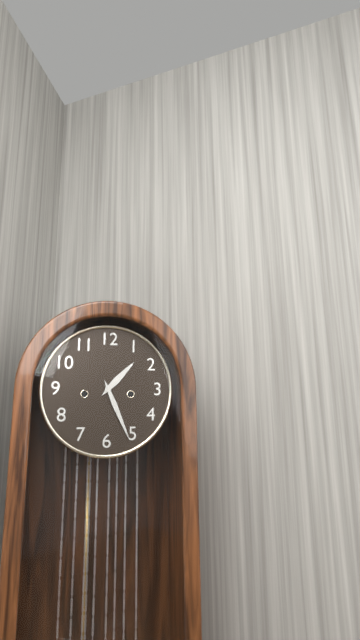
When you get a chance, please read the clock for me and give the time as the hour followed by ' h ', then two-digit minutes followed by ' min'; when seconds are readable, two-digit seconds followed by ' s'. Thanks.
1 h 26 min
